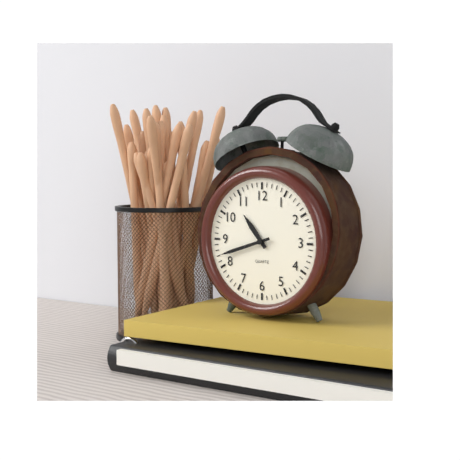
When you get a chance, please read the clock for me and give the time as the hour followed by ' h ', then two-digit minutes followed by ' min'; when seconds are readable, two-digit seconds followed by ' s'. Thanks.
10 h 42 min
